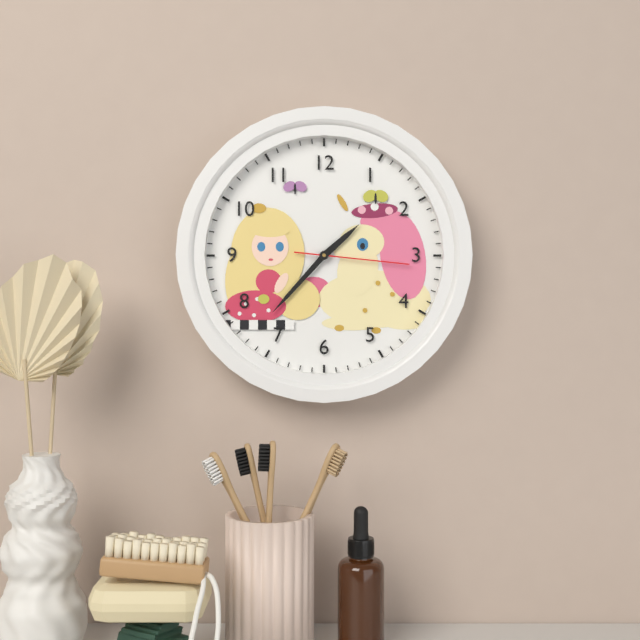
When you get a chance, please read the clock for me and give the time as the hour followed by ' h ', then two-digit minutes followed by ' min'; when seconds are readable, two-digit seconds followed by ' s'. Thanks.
1 h 37 min 16 s
